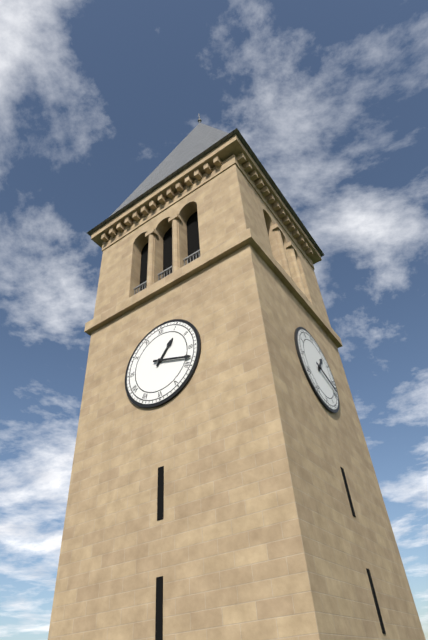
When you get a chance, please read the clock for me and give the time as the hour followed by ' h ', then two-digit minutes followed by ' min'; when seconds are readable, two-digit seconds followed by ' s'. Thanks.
1 h 18 min
